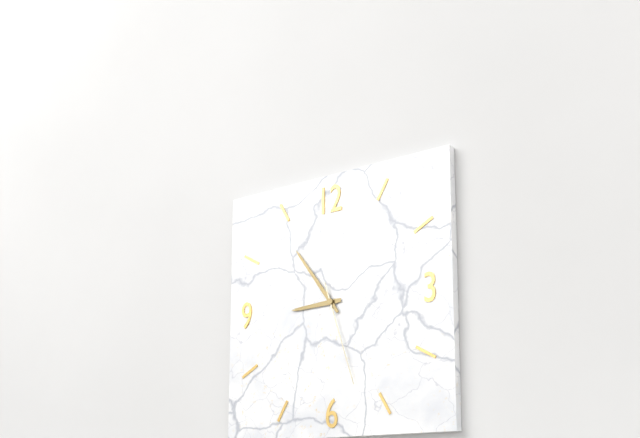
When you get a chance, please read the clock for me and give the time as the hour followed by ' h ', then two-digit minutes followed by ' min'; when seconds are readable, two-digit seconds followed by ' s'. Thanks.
8 h 54 min 27 s
